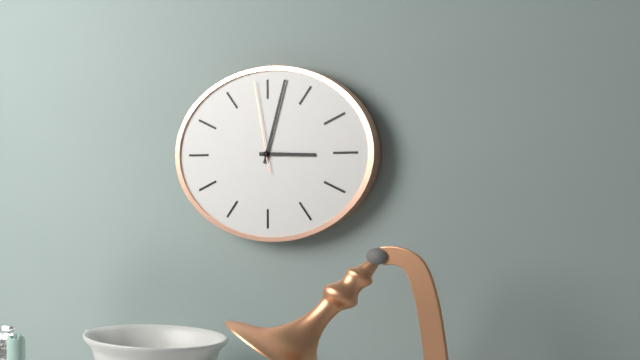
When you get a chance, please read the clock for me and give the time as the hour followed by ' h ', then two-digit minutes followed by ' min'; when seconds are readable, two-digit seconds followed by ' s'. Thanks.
3 h 03 min 58 s
